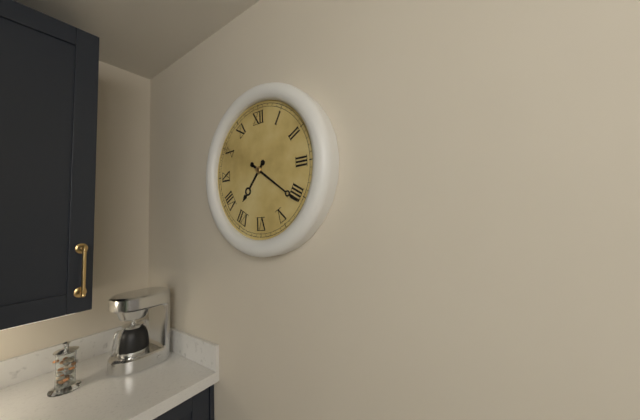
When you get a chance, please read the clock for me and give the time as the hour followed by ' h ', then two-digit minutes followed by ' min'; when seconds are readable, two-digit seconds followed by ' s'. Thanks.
7 h 21 min
